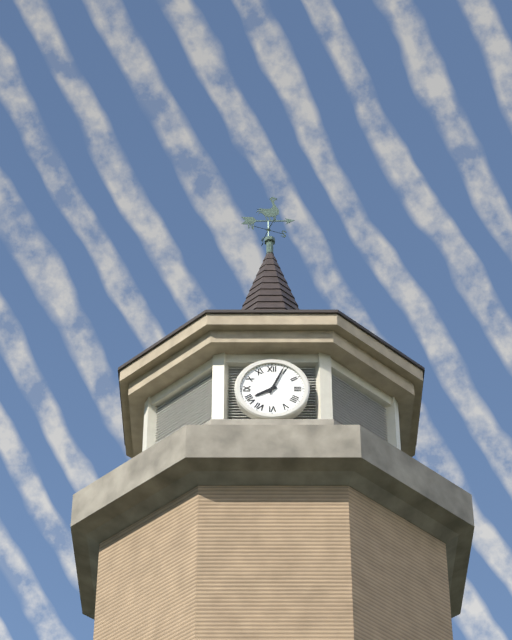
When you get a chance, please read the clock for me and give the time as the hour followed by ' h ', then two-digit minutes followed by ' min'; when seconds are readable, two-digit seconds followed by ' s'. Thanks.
8 h 04 min
